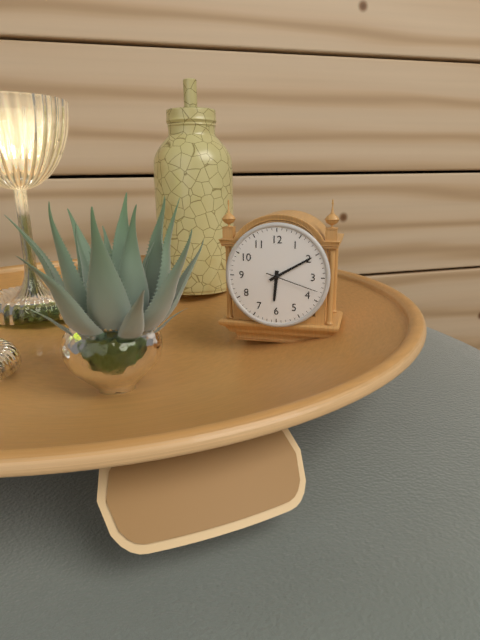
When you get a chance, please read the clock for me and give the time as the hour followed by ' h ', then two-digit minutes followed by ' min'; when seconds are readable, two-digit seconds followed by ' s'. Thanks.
6 h 10 min 18 s
